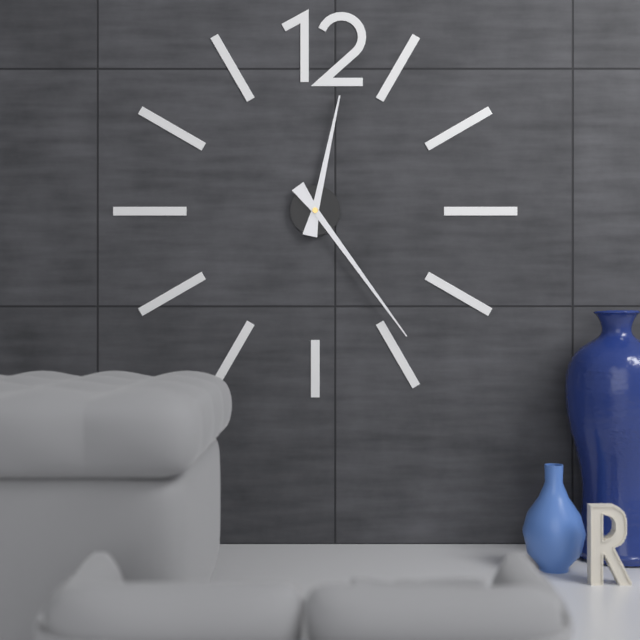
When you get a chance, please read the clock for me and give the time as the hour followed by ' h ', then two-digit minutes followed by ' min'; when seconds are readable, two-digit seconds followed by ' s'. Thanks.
12 h 24 min
